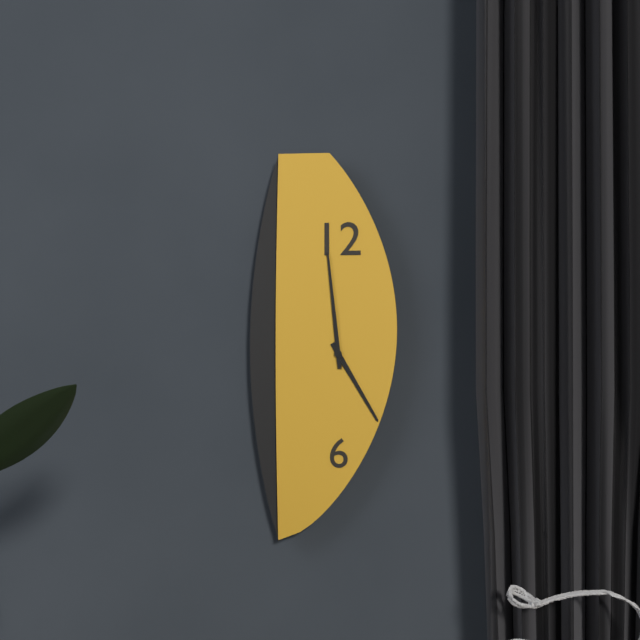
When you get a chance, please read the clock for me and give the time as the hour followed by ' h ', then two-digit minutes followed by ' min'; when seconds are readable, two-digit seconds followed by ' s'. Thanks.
4 h 59 min
